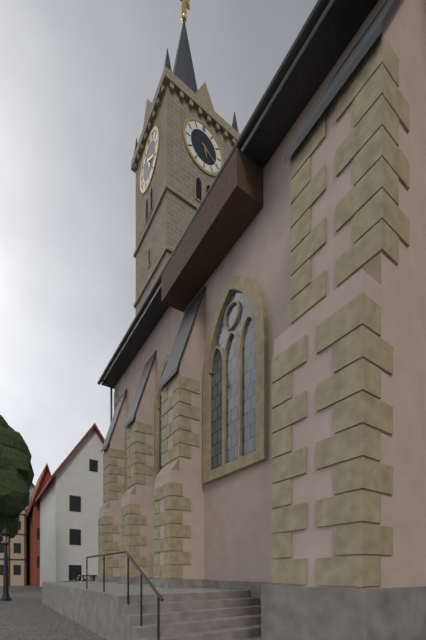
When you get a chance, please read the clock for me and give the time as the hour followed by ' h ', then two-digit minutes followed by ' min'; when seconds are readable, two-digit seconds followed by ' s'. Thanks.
5 h 20 min
